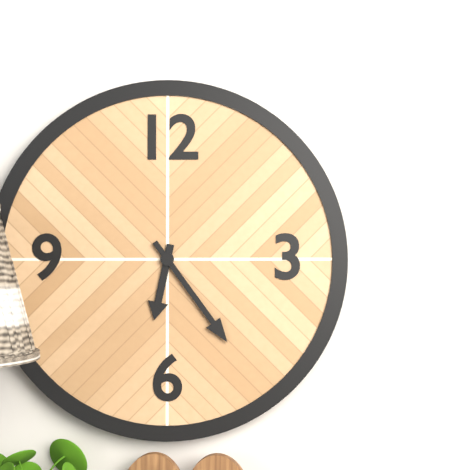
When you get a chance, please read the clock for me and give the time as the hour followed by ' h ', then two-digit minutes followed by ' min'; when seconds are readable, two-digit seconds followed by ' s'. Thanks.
6 h 24 min
